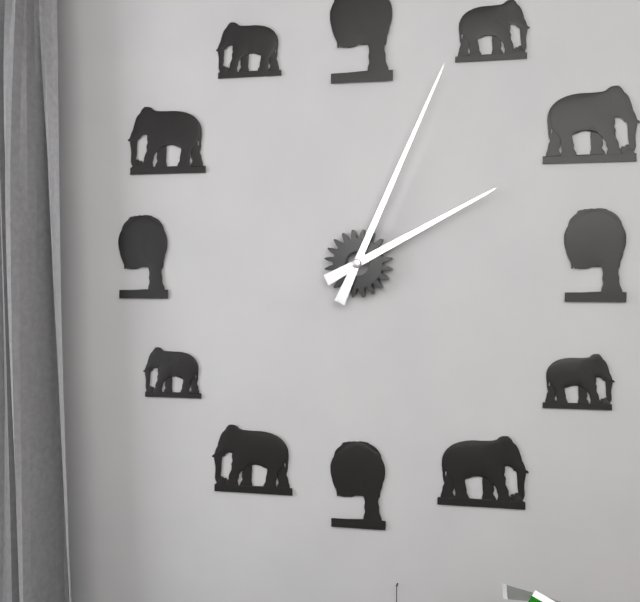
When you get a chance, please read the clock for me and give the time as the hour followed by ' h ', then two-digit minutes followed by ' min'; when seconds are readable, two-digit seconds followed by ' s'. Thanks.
2 h 04 min
